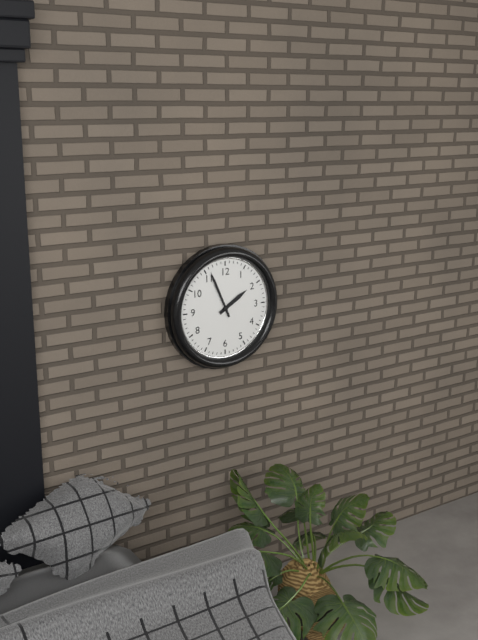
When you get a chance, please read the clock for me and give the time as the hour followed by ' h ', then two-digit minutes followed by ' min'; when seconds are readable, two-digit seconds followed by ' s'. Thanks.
1 h 56 min
